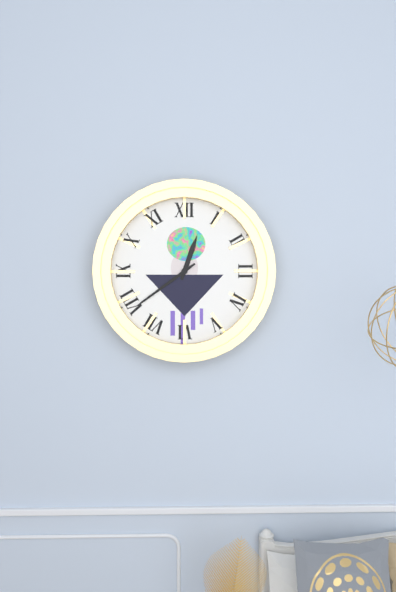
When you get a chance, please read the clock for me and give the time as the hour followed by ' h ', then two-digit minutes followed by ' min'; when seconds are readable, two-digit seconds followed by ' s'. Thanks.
12 h 39 min
